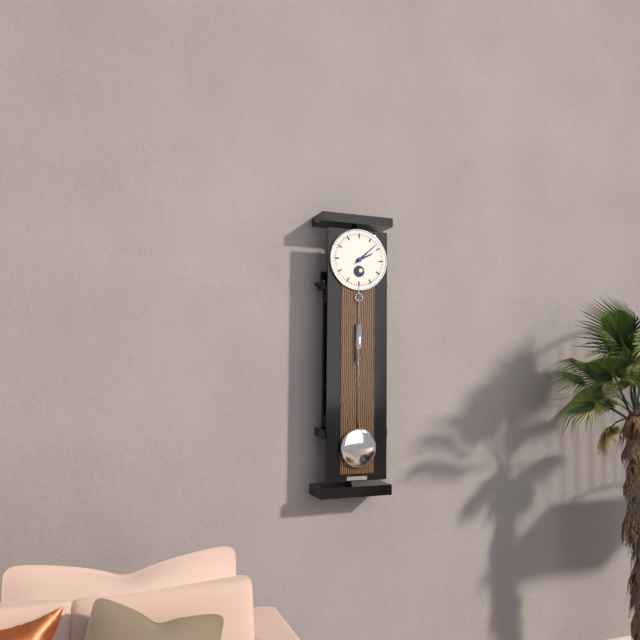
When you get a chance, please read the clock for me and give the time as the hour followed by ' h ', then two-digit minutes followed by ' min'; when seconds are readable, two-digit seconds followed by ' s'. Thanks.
2 h 08 min
